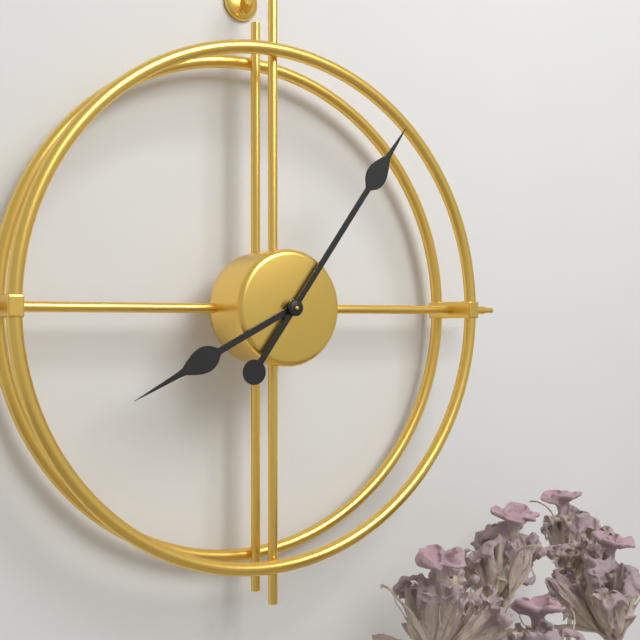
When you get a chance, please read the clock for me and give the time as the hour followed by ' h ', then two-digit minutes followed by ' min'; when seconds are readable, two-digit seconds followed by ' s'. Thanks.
8 h 06 min
